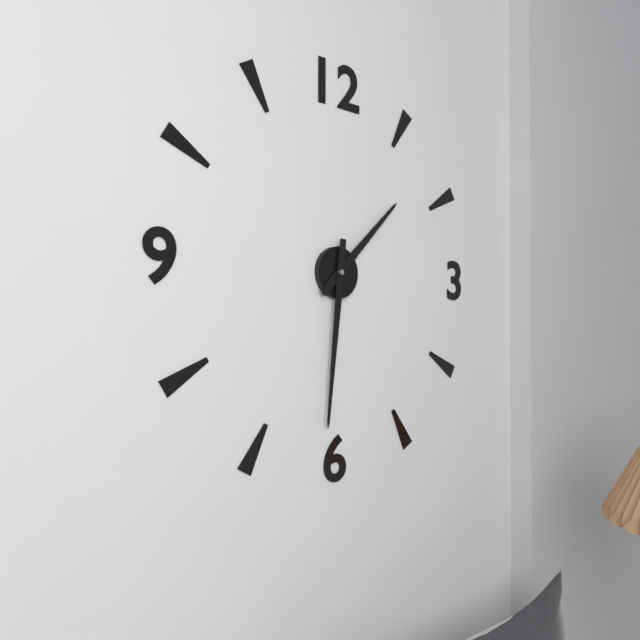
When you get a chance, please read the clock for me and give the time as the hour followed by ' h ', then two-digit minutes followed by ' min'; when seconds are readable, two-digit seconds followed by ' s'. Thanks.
1 h 31 min
